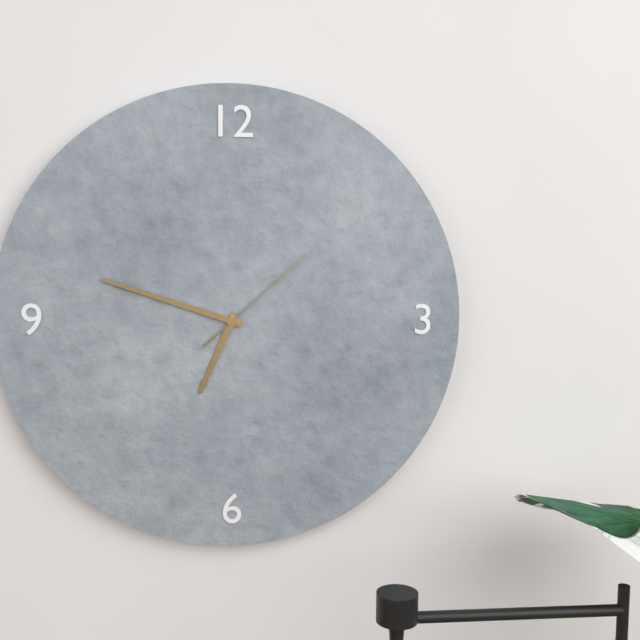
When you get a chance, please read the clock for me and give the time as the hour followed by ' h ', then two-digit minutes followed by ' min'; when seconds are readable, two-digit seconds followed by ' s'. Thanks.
6 h 48 min 08 s
